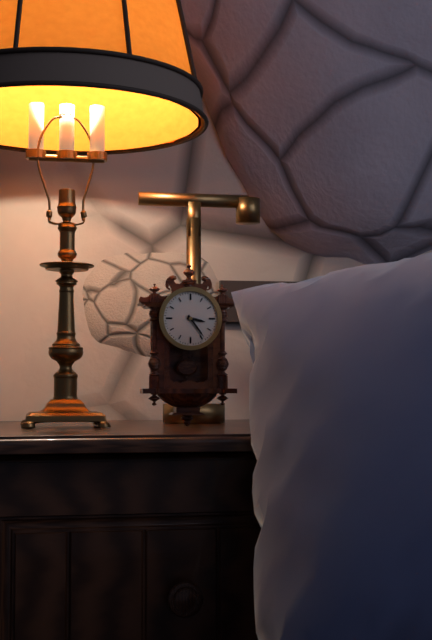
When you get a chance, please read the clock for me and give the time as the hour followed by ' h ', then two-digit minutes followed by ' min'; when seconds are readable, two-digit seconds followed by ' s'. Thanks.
3 h 24 min
